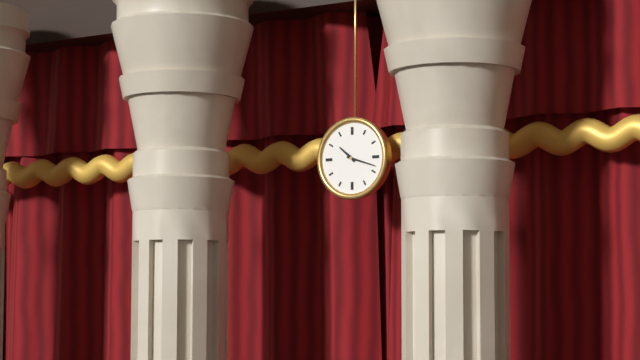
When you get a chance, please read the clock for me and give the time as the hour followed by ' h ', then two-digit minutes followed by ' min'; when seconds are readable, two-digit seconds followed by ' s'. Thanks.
10 h 18 min
